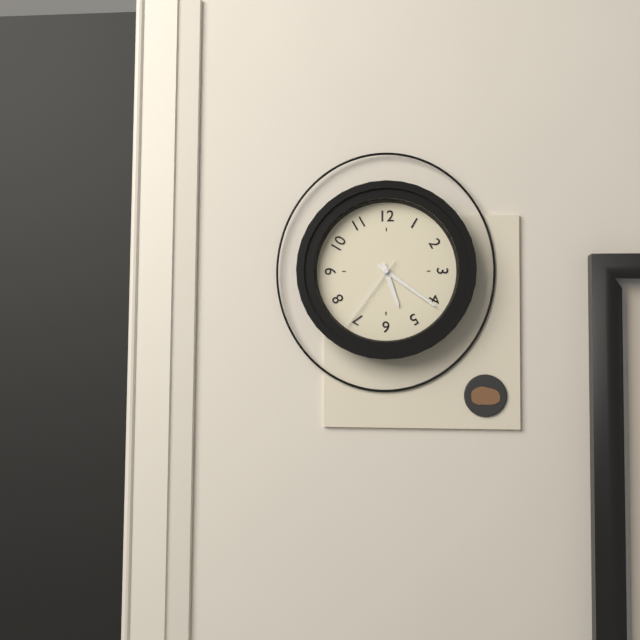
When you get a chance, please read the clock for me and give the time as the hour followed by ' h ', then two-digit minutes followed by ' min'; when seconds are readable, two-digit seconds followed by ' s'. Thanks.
5 h 21 min 36 s
